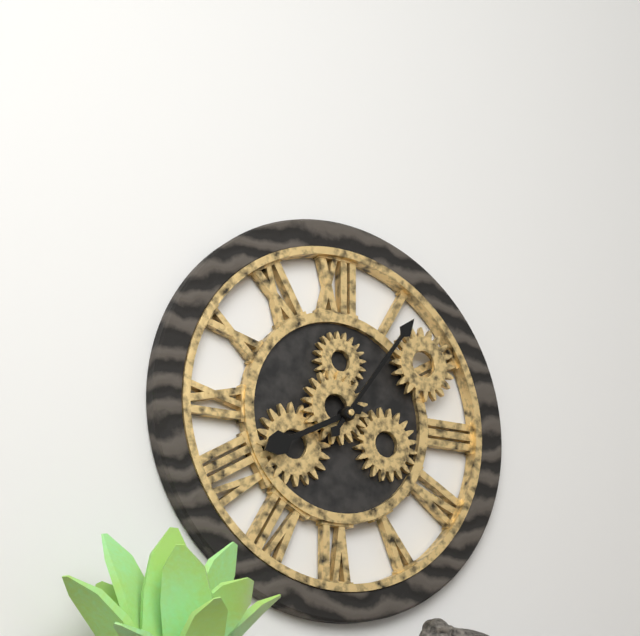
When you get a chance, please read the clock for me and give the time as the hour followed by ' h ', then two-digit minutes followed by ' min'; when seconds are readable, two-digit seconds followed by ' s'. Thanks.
8 h 06 min
